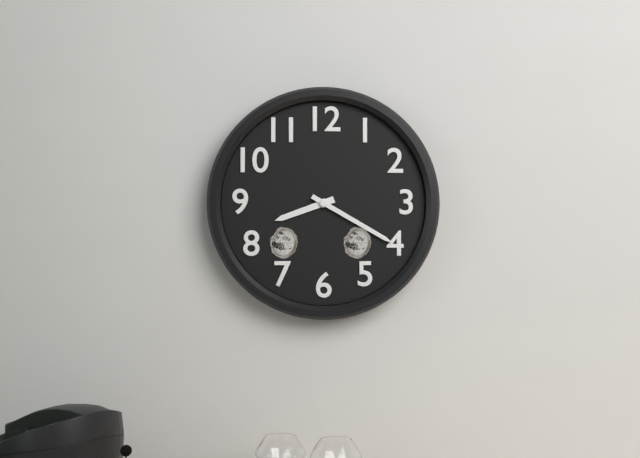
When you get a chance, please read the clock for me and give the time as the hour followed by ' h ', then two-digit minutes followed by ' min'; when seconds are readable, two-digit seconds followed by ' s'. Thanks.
8 h 20 min
